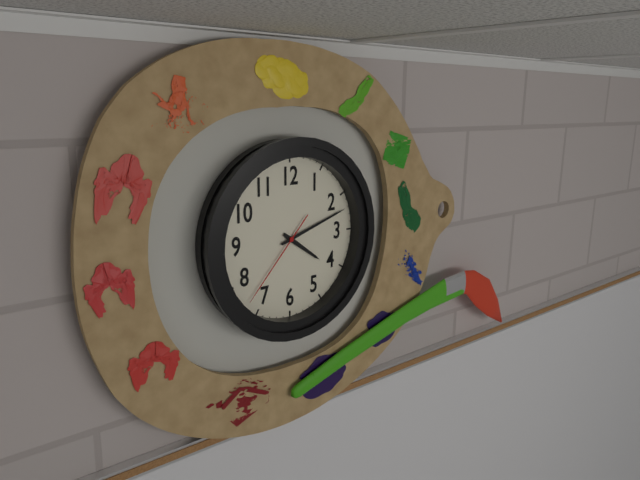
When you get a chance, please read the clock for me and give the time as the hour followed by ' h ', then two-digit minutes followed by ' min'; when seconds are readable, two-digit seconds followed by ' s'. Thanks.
4 h 12 min 37 s
